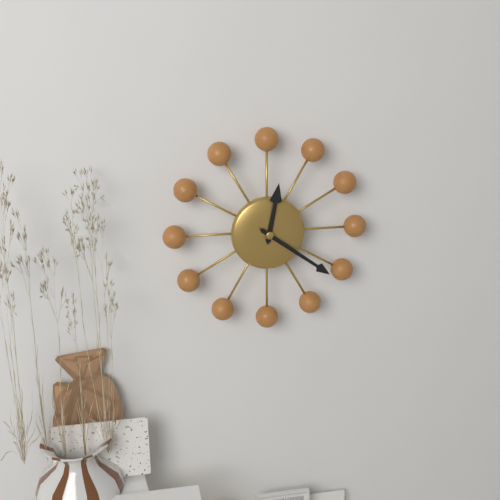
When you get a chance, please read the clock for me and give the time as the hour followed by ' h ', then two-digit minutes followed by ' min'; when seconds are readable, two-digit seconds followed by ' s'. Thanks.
12 h 21 min
